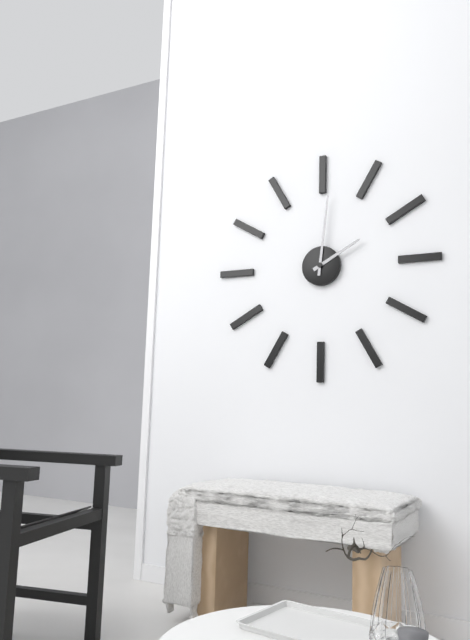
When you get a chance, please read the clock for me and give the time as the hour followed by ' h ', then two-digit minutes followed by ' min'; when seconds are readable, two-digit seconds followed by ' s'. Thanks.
2 h 01 min
